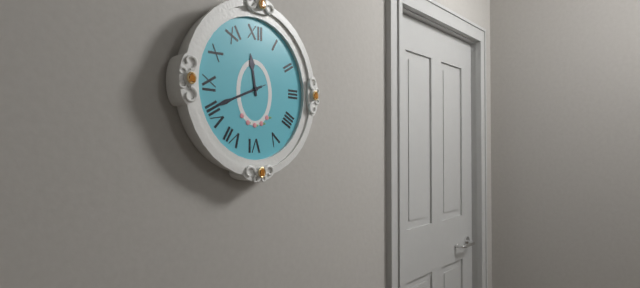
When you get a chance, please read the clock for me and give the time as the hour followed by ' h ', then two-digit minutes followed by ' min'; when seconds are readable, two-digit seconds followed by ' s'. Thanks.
11 h 41 min 41 s
